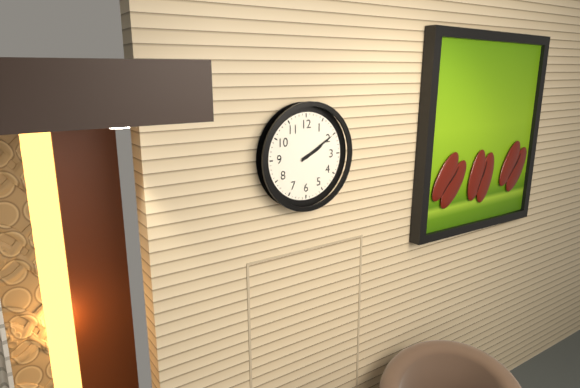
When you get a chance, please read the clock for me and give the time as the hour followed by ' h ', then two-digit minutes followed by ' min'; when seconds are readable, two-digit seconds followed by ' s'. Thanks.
2 h 10 min
